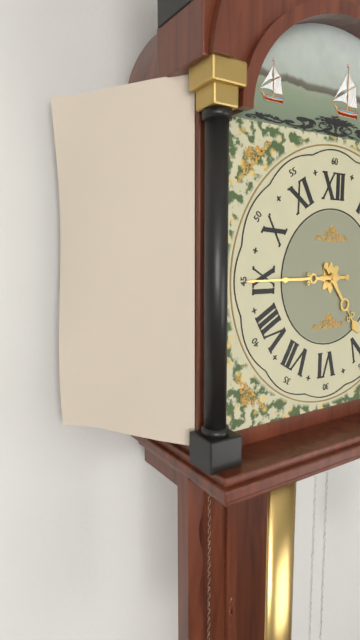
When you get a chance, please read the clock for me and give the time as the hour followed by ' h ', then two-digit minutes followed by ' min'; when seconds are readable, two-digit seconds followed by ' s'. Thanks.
4 h 45 min
